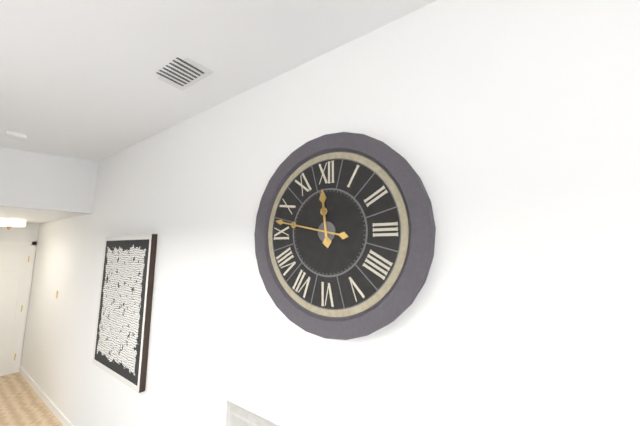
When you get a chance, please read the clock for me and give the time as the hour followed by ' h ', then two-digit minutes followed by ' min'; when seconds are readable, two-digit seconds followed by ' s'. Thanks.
11 h 47 min
